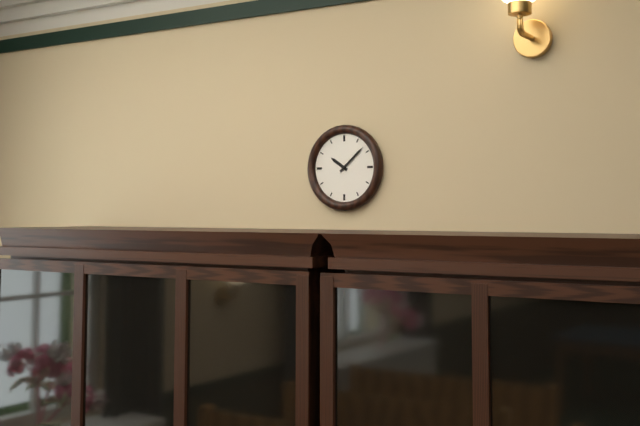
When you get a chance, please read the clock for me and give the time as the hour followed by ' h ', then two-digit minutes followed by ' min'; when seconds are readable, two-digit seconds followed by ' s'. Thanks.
10 h 08 min
